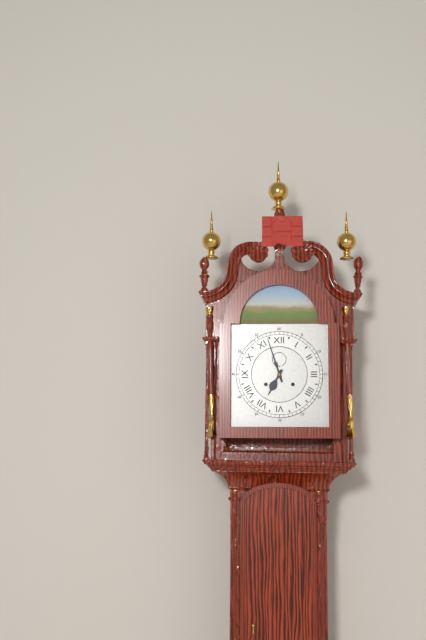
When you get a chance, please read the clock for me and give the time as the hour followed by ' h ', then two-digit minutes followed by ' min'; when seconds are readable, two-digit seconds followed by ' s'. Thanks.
6 h 57 min
